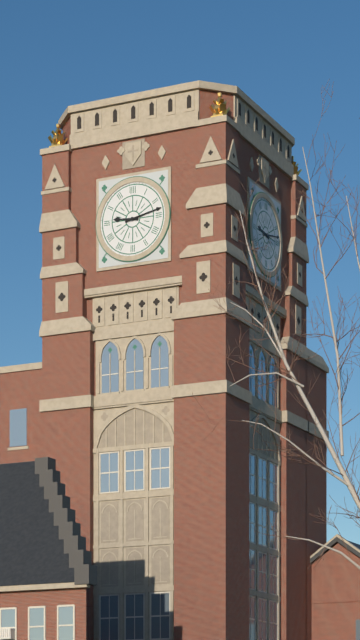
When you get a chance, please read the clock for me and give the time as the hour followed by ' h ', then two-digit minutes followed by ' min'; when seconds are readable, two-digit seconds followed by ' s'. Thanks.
9 h 13 min
